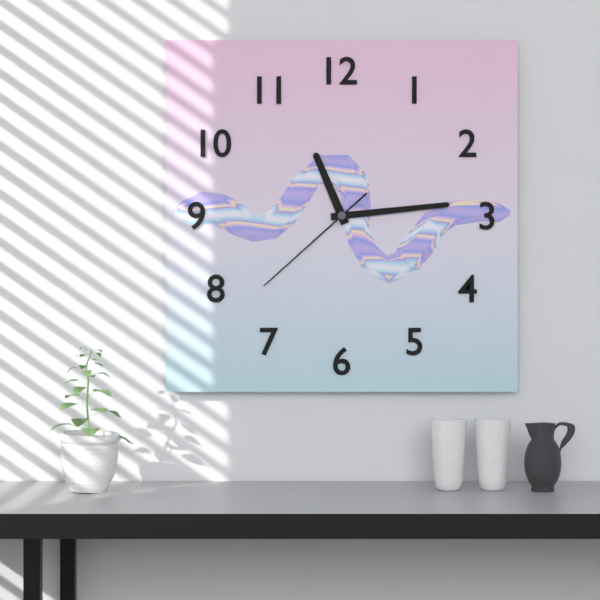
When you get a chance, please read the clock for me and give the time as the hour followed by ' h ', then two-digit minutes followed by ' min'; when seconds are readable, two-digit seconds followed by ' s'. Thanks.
11 h 14 min 38 s
